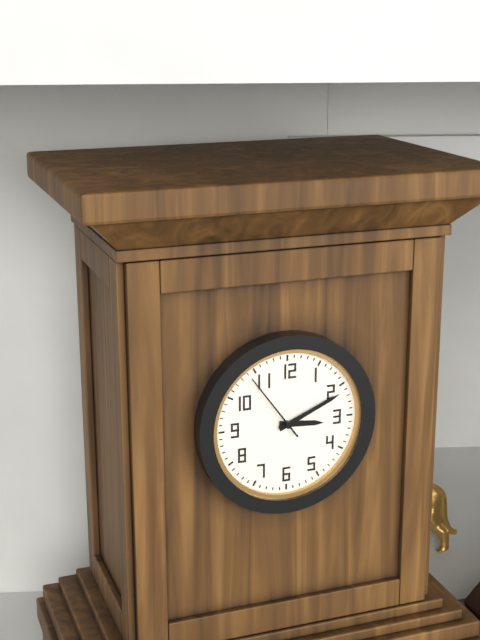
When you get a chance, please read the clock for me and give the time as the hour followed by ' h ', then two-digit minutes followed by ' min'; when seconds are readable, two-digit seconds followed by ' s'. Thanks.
3 h 11 min
